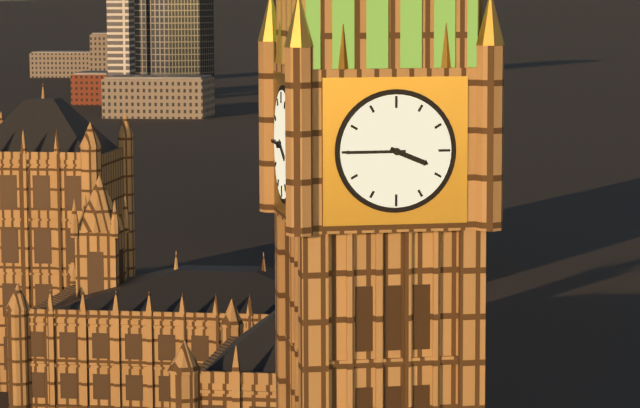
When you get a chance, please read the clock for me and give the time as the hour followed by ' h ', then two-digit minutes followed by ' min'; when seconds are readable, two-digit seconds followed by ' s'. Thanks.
3 h 45 min
